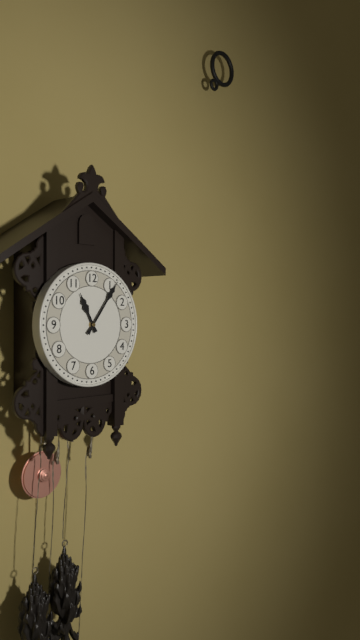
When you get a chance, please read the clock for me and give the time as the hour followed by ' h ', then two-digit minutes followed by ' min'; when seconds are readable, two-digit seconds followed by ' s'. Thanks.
11 h 06 min
